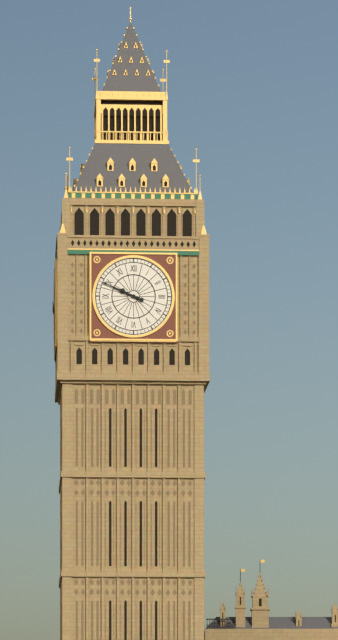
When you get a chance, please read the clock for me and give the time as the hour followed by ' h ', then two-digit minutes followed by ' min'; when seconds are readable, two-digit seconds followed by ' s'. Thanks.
9 h 49 min
